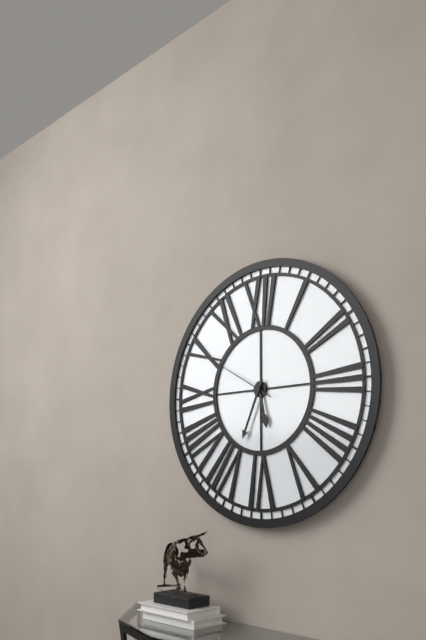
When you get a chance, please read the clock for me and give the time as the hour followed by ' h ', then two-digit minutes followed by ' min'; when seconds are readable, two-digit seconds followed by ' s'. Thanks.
5 h 34 min 50 s
